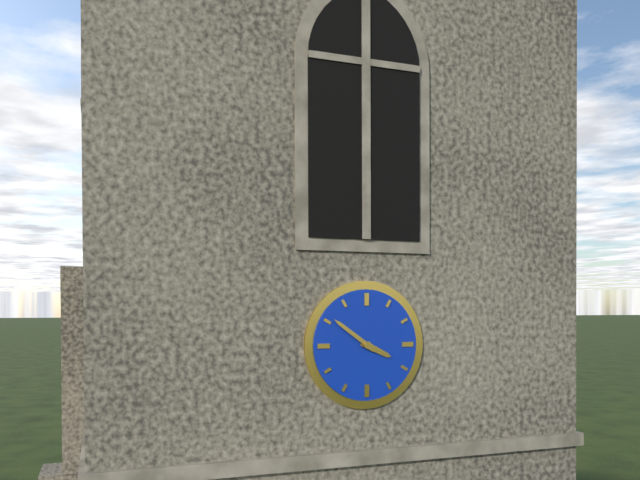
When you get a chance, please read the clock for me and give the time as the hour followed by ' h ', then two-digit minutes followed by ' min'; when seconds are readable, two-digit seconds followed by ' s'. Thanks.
3 h 51 min
